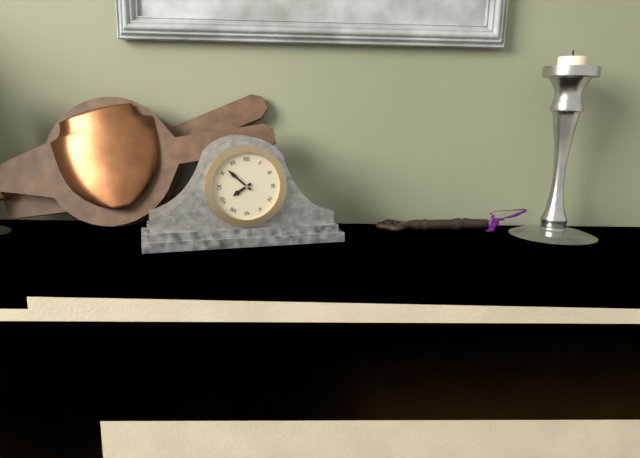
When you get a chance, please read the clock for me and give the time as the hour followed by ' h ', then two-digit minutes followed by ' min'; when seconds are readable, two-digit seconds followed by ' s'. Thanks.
7 h 52 min
